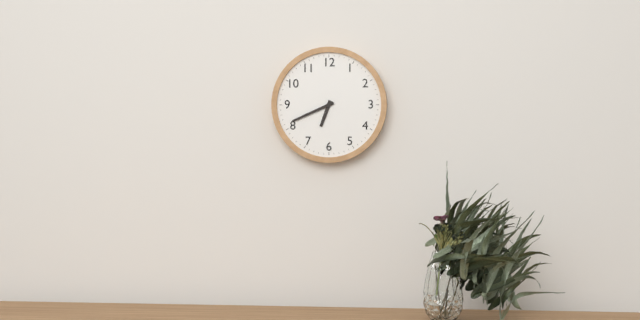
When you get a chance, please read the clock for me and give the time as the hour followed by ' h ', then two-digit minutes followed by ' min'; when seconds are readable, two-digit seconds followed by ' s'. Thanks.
6 h 41 min
